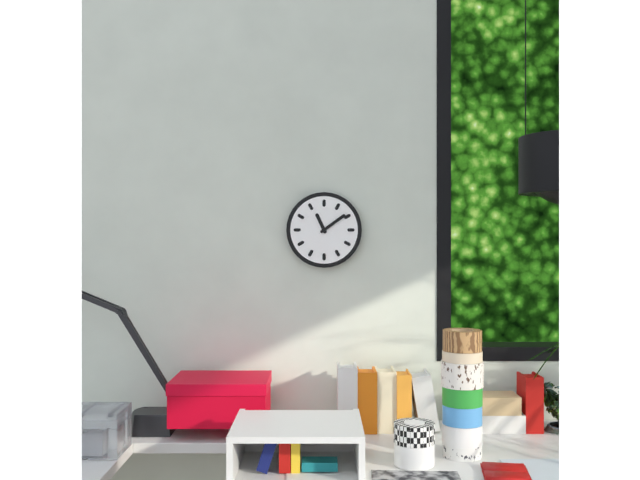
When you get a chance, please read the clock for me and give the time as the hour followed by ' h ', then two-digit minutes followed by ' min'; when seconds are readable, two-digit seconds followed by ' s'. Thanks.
11 h 09 min
